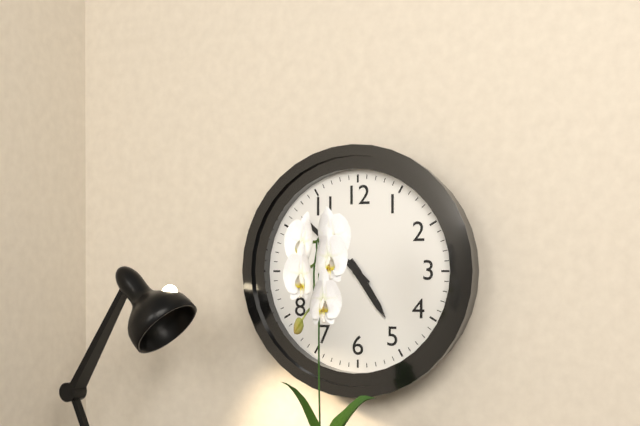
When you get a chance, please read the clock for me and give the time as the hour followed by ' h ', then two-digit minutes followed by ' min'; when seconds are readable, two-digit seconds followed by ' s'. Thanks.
4 h 52 min
